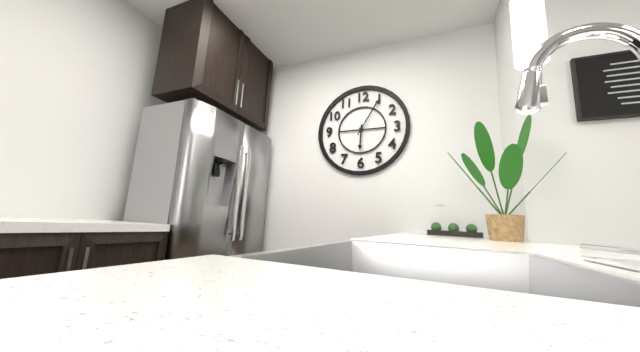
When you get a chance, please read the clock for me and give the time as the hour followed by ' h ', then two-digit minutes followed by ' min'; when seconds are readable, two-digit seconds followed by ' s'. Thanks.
6 h 05 min
